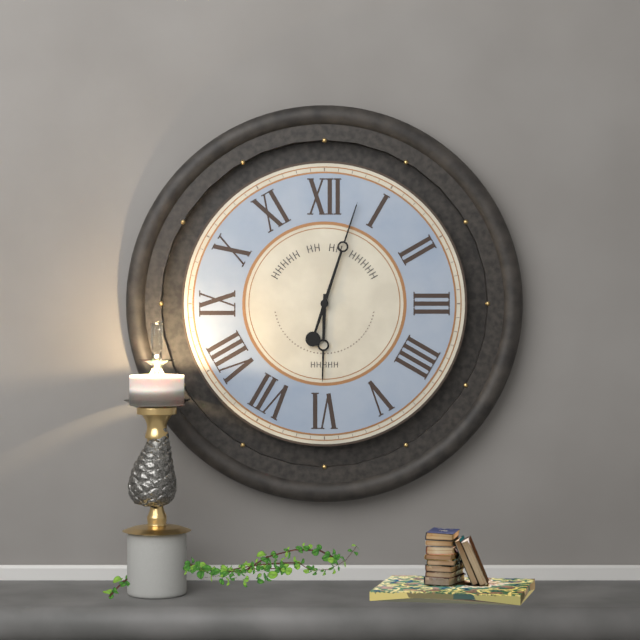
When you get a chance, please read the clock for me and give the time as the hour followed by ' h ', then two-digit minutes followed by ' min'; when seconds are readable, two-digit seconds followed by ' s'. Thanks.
6 h 03 min
